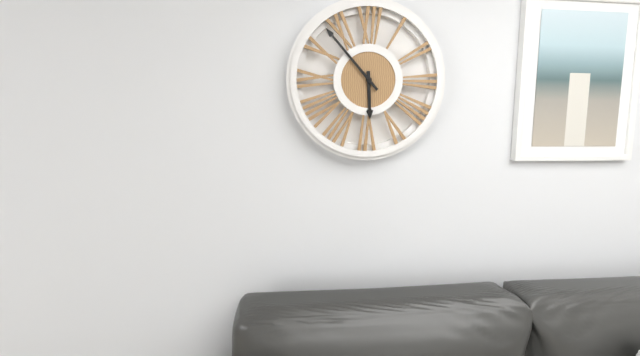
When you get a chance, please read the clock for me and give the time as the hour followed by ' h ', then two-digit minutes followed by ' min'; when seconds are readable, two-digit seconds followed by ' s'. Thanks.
5 h 53 min
